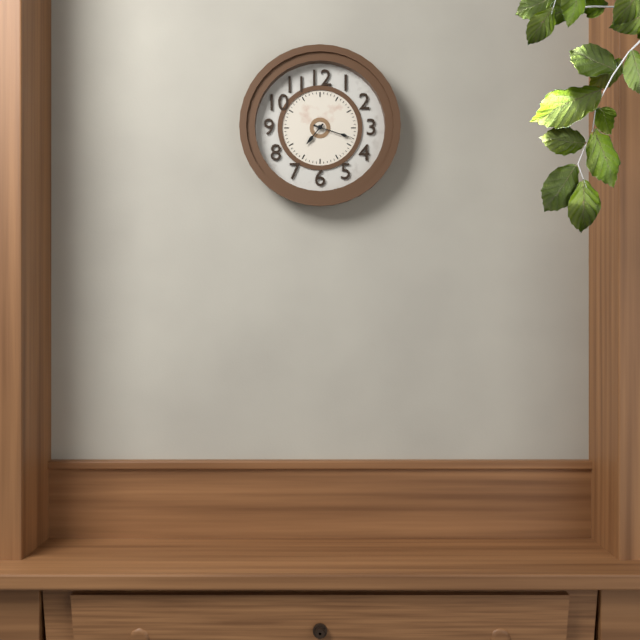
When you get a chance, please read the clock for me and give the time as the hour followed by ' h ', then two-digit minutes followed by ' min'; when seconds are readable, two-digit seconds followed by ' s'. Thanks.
7 h 18 min
